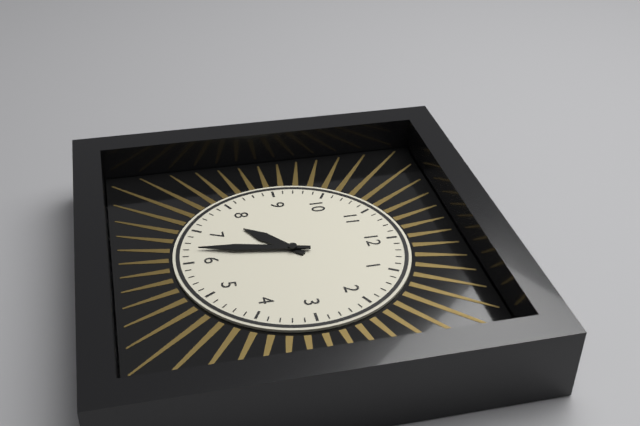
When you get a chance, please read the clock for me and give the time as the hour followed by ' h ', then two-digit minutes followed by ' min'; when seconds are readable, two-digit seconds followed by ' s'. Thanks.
7 h 32 min
